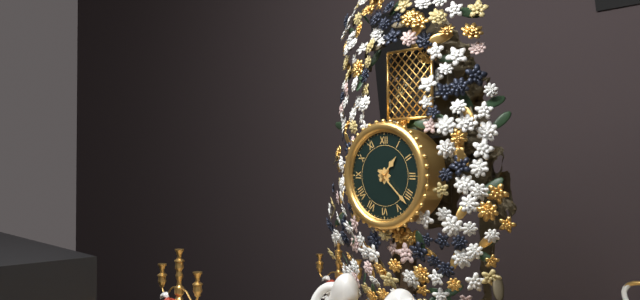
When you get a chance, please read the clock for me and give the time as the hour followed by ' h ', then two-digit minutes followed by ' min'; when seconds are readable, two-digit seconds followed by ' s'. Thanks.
1 h 22 min
